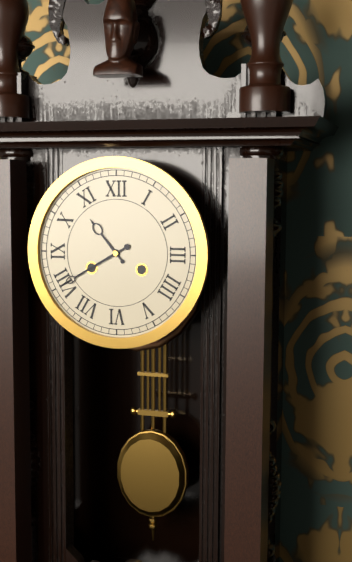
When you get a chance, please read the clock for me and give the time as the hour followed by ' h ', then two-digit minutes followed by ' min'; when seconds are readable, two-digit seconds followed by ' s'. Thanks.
10 h 40 min
